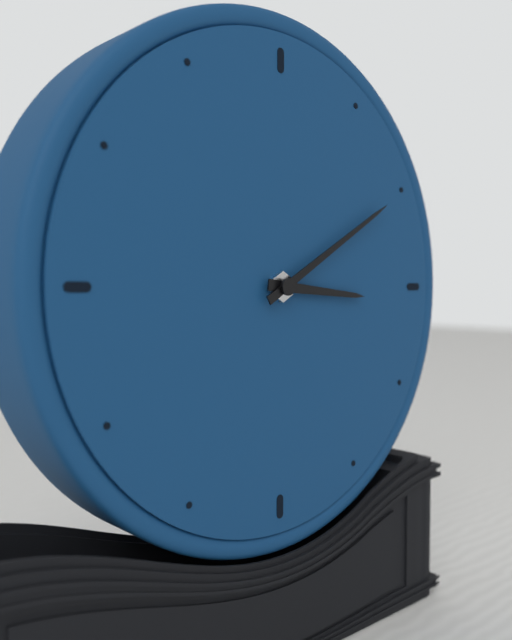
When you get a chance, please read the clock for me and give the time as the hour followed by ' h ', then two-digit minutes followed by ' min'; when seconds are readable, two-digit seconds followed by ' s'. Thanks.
3 h 10 min
